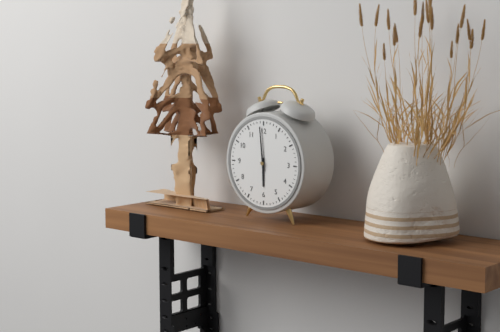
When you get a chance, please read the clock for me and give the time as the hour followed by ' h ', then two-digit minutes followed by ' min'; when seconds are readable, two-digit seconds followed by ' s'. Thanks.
5 h 59 min
